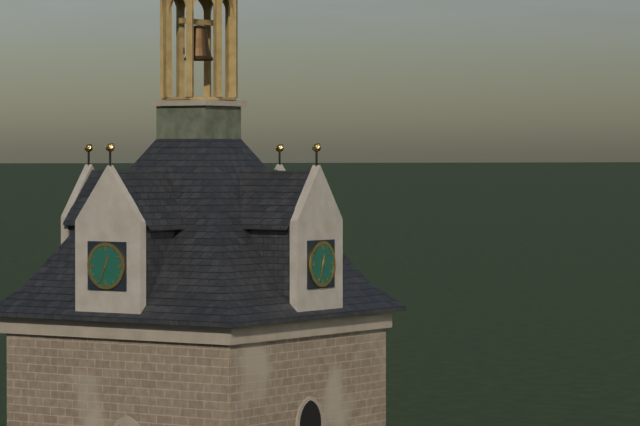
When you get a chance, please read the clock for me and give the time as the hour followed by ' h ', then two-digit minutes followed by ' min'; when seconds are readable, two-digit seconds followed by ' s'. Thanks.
12 h 34 min
